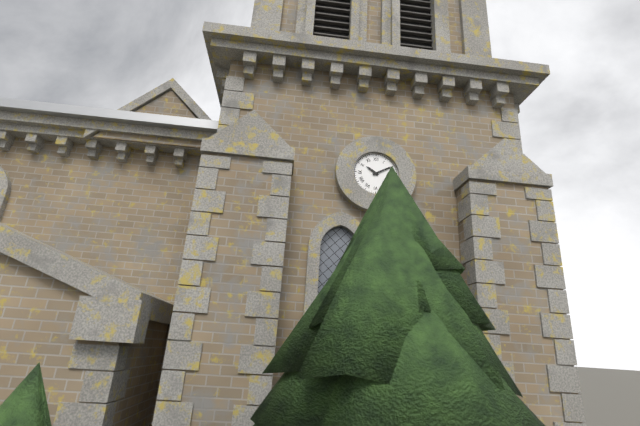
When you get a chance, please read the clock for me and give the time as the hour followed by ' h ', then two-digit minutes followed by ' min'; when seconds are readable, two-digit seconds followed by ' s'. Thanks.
10 h 10 min
